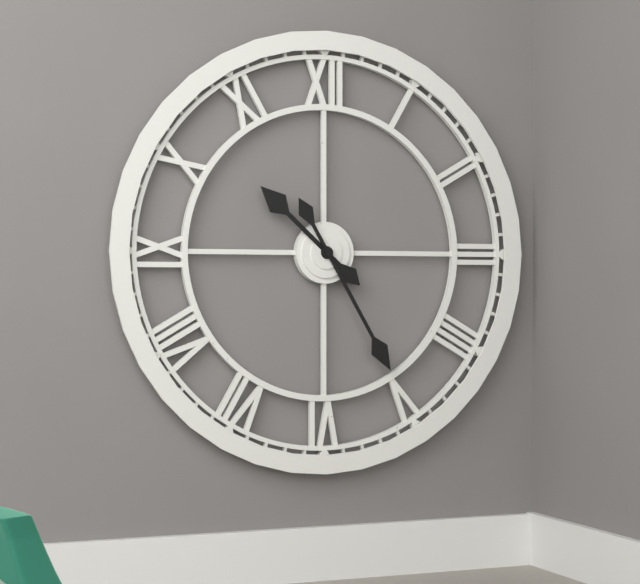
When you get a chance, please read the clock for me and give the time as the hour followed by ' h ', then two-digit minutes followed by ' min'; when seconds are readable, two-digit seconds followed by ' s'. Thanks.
10 h 25 min
